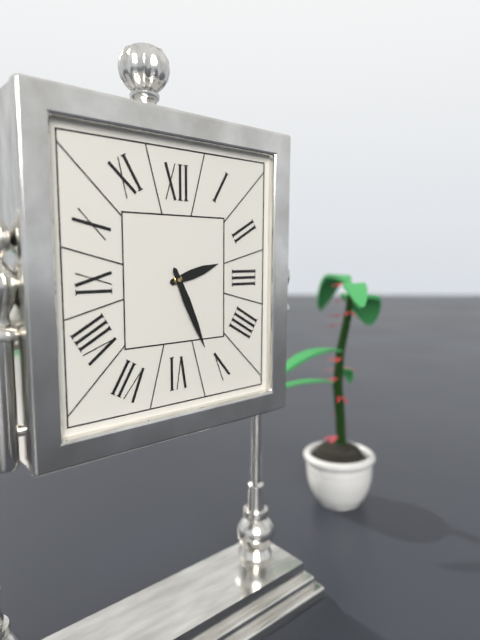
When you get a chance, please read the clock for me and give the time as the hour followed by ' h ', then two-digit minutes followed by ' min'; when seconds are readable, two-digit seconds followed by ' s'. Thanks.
2 h 26 min
